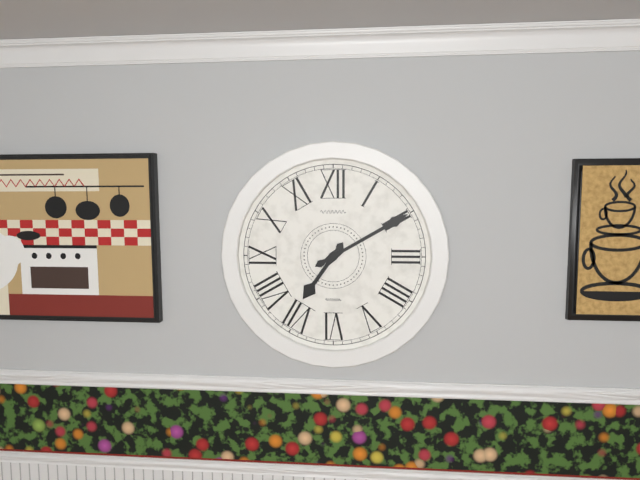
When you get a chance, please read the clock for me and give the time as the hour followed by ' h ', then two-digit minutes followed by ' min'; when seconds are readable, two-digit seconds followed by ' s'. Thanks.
7 h 10 min
